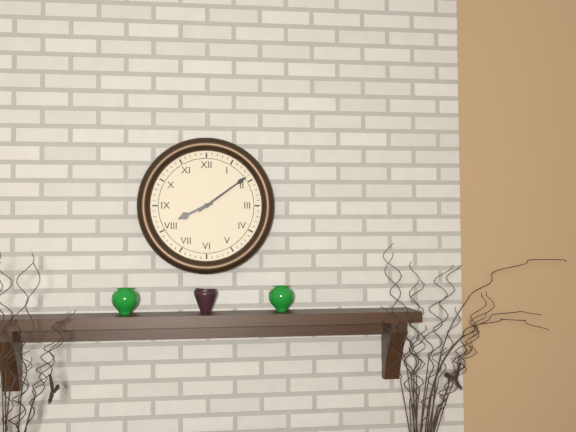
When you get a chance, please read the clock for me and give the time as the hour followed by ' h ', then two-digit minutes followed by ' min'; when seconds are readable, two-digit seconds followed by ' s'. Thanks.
8 h 09 min
